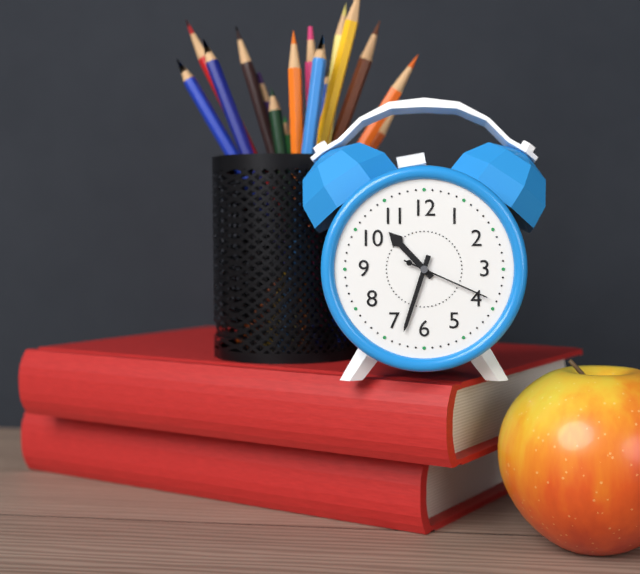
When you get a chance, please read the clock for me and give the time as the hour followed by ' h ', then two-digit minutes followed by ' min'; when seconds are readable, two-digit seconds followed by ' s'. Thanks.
10 h 33 min 19 s
